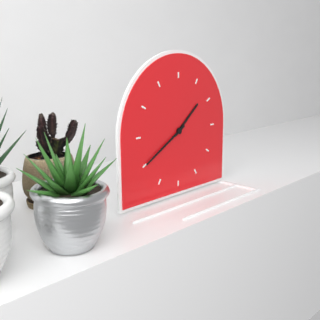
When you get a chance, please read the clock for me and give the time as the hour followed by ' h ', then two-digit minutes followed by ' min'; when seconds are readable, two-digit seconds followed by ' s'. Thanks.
1 h 40 min
